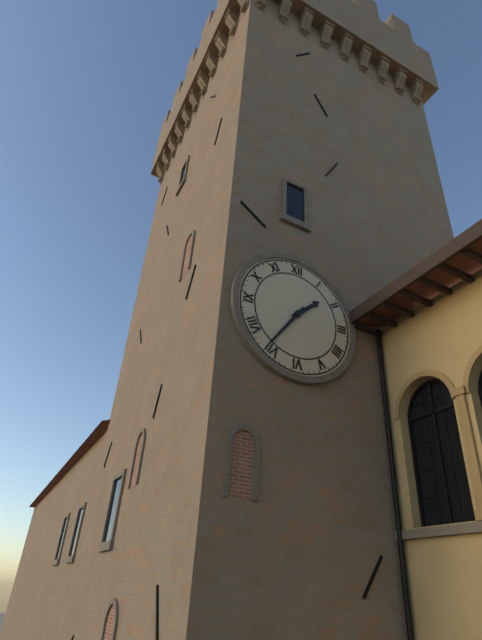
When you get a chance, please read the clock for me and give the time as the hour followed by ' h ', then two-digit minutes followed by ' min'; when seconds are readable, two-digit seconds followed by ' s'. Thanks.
1 h 36 min
